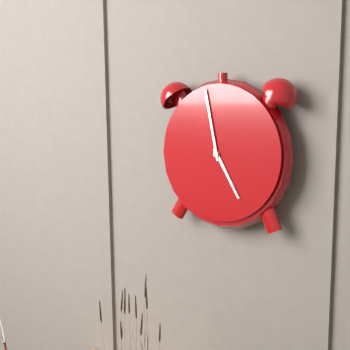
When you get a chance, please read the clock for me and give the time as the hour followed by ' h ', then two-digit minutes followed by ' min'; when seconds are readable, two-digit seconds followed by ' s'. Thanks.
4 h 58 min
